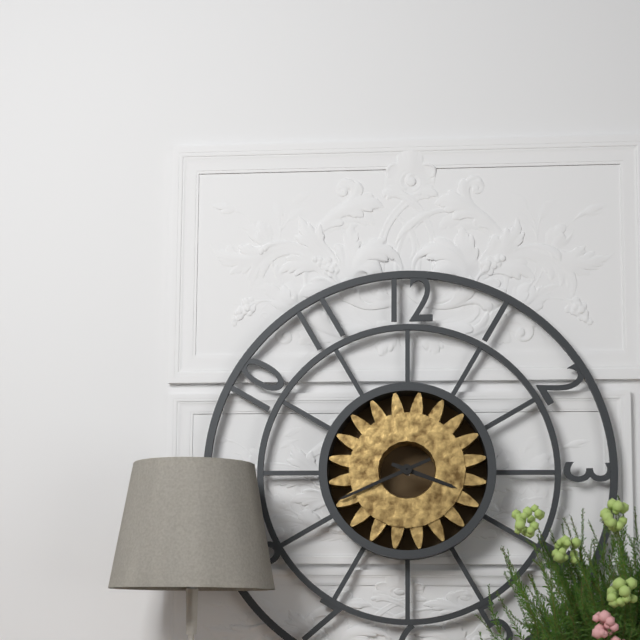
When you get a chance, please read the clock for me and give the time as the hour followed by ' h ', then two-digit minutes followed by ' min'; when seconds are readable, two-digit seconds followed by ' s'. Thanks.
3 h 41 min
